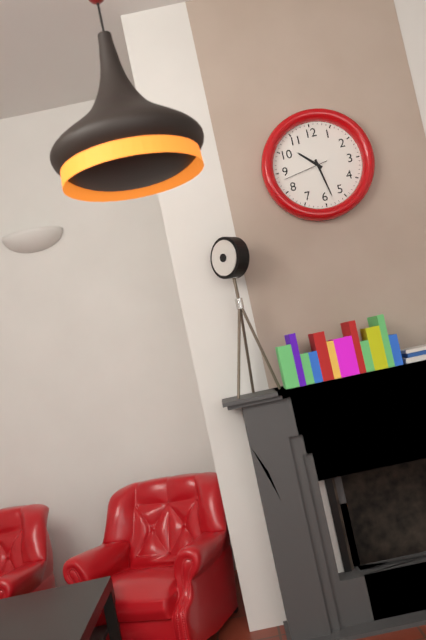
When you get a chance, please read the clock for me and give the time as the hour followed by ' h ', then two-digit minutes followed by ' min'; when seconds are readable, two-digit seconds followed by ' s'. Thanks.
10 h 28 min
